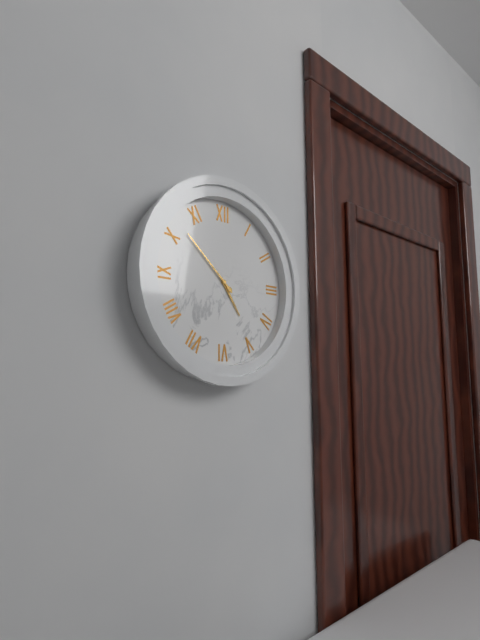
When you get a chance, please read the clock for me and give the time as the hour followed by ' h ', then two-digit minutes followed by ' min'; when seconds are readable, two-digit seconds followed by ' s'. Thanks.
4 h 52 min
